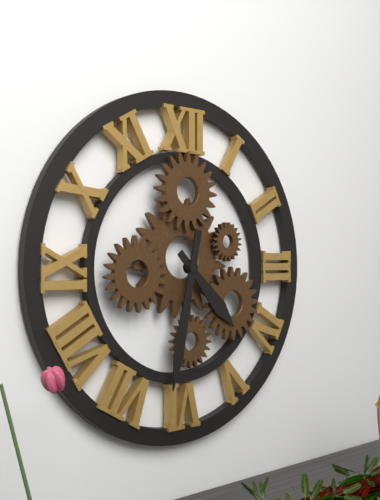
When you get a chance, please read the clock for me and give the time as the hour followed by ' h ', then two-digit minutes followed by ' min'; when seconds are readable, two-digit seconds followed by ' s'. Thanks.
4 h 32 min
